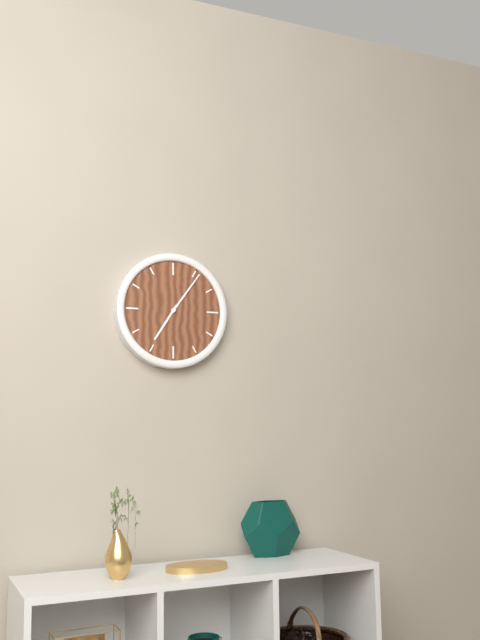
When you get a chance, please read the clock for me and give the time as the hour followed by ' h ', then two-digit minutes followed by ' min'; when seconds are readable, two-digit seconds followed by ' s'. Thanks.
7 h 06 min
